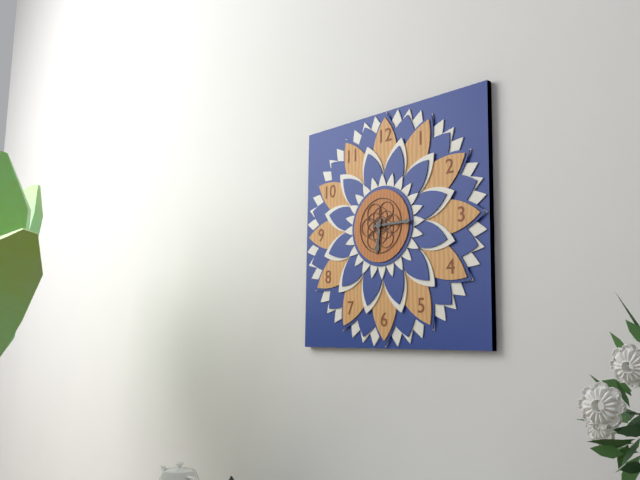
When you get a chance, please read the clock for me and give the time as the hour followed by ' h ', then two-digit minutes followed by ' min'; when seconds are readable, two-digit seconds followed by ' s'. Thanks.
6 h 15 min
